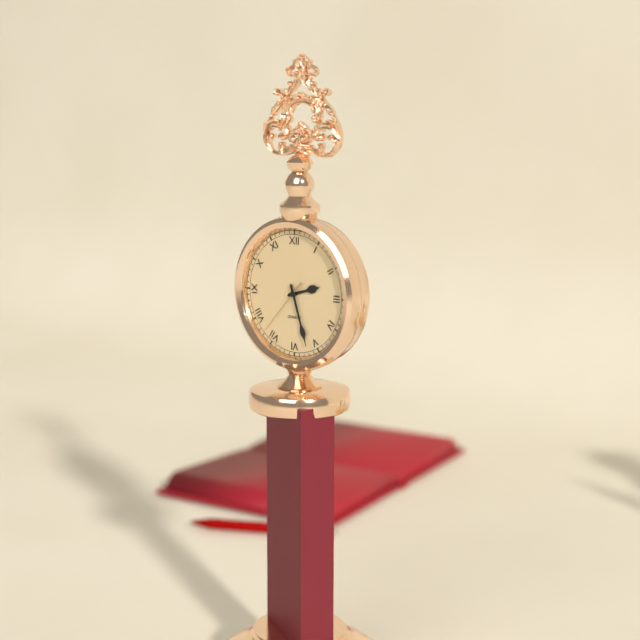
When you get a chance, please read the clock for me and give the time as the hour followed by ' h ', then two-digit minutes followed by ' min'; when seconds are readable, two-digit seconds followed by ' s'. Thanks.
2 h 27 min 37 s
